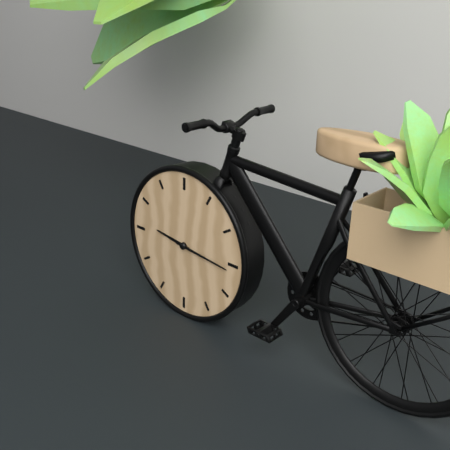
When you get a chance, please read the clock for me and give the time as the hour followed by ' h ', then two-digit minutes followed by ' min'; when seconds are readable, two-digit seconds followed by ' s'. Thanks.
9 h 16 min
